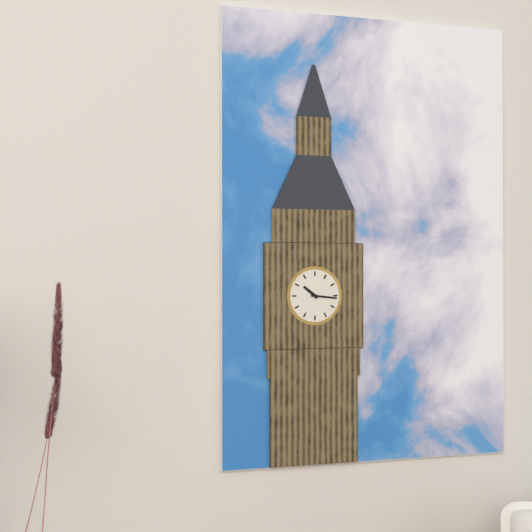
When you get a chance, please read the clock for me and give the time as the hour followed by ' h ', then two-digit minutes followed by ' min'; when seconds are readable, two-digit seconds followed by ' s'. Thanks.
10 h 16 min
